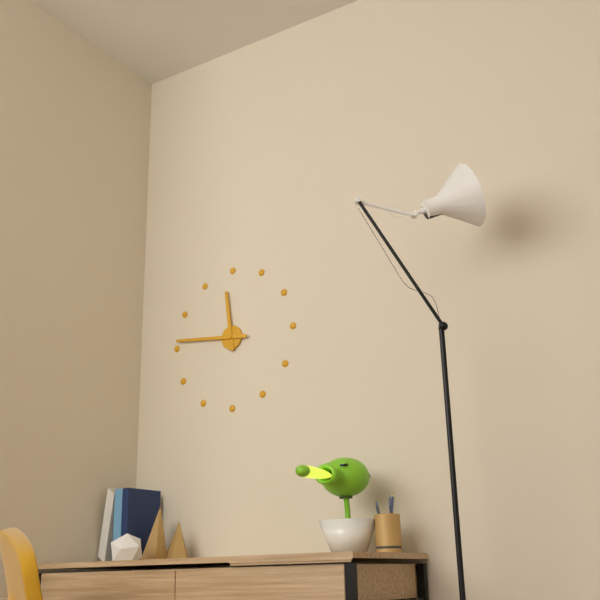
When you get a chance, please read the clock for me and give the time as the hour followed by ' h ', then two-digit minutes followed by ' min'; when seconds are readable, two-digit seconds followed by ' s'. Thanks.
11 h 46 min
